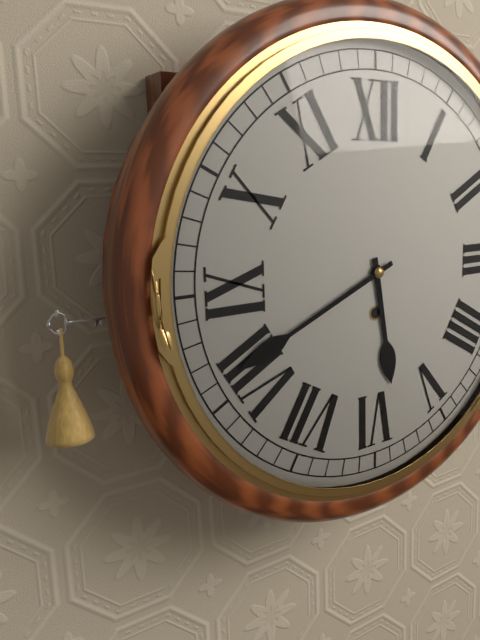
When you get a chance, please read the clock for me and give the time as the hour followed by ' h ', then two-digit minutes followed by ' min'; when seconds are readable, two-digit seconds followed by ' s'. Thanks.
5 h 41 min
